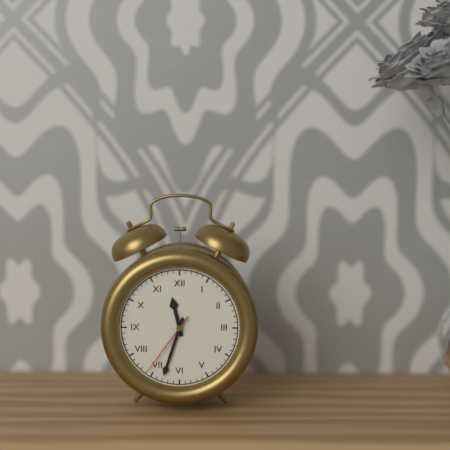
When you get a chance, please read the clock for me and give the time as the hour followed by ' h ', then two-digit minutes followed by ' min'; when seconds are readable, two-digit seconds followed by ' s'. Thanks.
11 h 33 min 36 s
